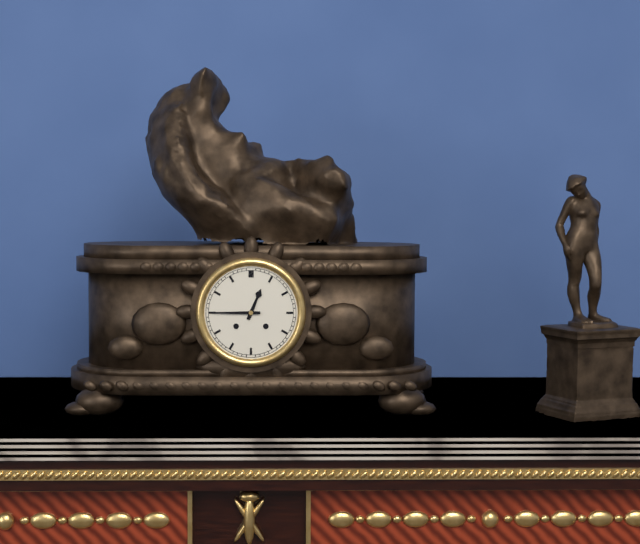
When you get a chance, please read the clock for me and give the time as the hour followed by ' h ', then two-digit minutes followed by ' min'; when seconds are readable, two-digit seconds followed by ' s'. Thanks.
12 h 45 min
